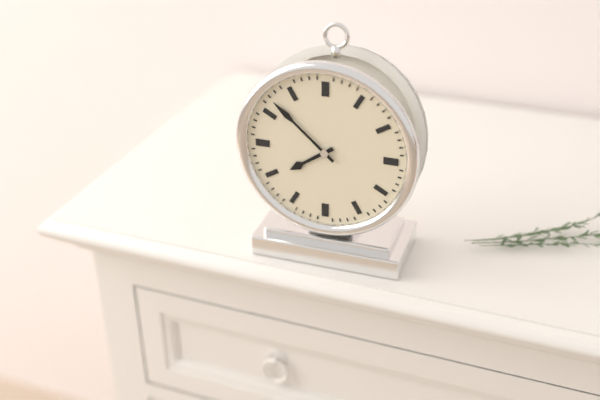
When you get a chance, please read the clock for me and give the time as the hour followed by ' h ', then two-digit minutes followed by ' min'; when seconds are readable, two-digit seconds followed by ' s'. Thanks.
7 h 52 min
